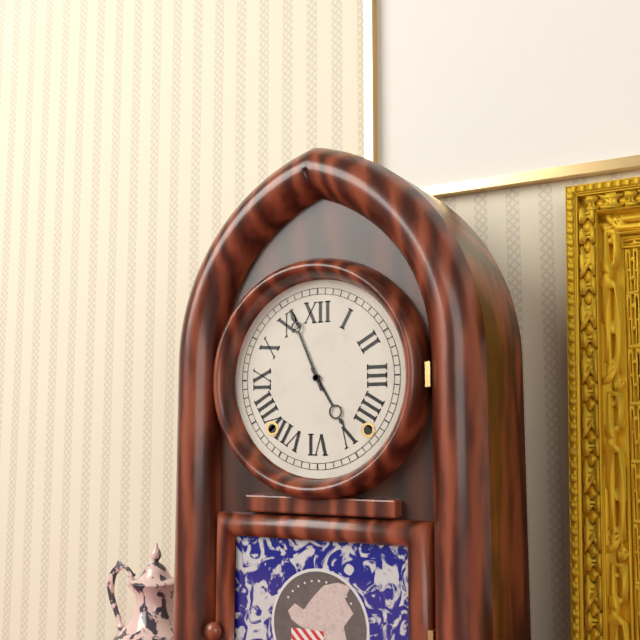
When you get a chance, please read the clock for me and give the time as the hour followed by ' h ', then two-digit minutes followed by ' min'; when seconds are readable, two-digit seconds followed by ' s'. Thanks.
4 h 56 min
